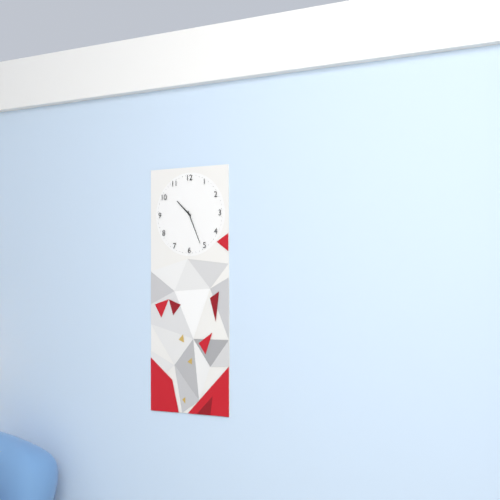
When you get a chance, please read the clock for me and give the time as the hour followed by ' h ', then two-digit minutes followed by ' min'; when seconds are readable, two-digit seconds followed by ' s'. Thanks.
10 h 26 min
